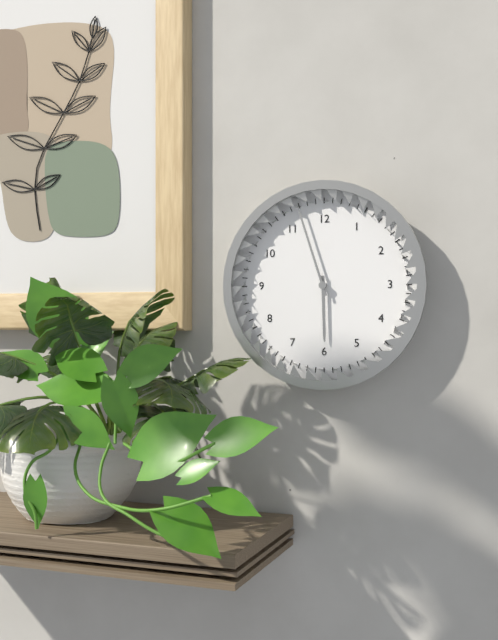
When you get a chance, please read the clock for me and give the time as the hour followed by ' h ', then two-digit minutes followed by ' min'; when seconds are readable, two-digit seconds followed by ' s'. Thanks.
5 h 57 min
